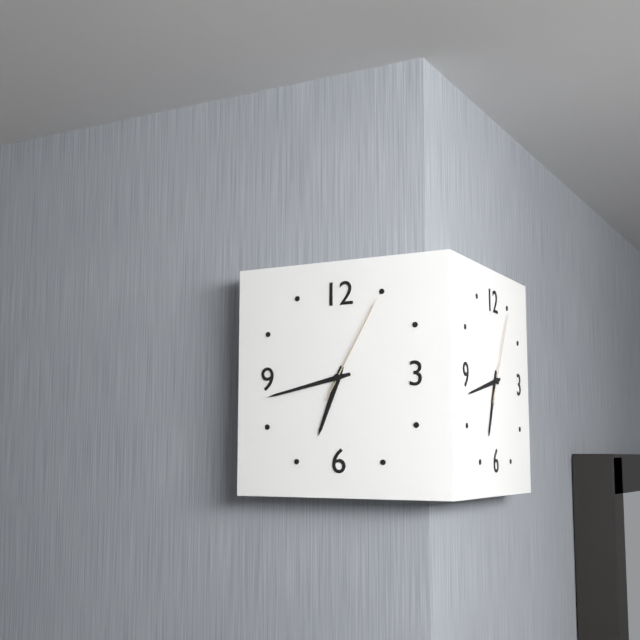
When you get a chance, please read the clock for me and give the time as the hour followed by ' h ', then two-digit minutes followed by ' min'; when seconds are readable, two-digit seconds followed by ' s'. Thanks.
6 h 43 min 05 s
